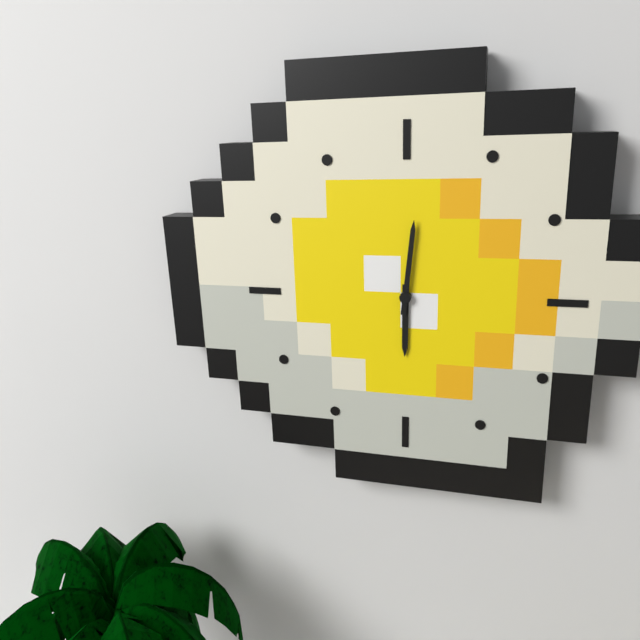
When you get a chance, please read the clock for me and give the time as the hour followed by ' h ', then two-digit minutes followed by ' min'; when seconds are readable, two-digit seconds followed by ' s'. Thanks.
6 h 01 min
